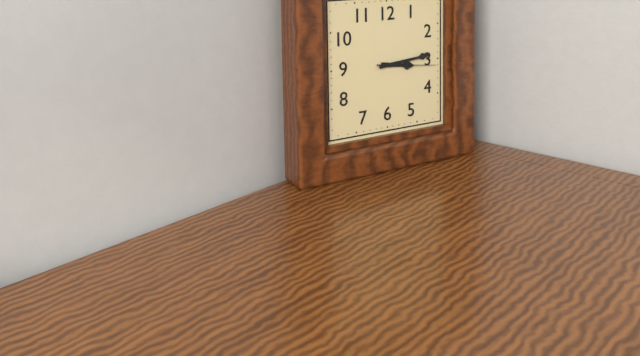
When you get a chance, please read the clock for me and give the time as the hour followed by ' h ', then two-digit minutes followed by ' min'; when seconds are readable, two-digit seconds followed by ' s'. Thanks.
3 h 14 min 16 s
